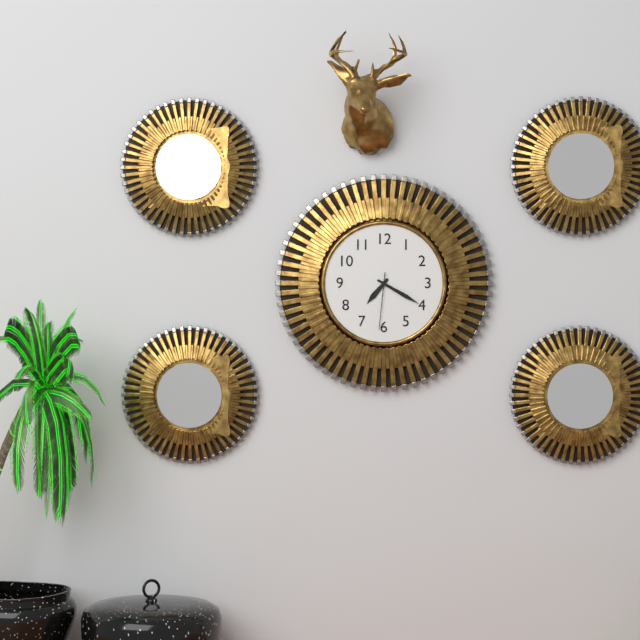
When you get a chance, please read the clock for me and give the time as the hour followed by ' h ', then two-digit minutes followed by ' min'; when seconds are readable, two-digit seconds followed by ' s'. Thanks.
7 h 20 min 31 s
